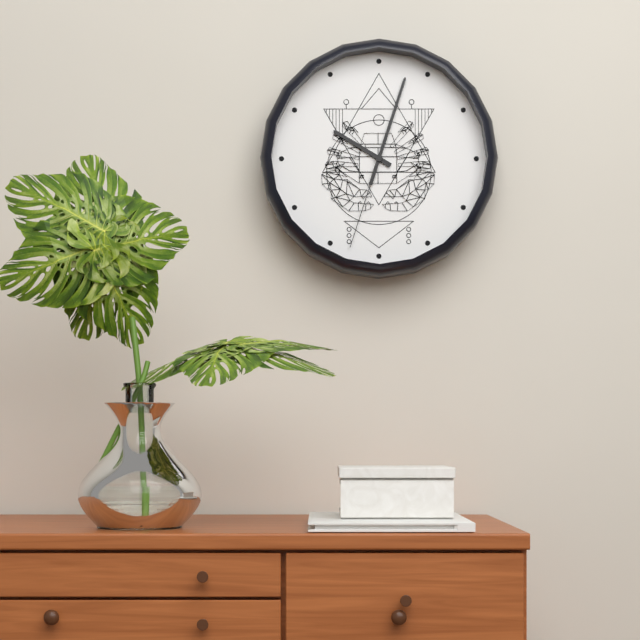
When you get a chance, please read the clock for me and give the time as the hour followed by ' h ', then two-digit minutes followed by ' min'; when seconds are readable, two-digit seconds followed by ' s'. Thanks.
10 h 03 min 33 s
